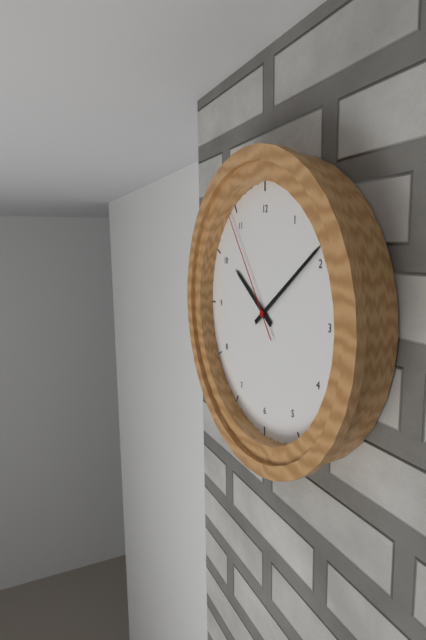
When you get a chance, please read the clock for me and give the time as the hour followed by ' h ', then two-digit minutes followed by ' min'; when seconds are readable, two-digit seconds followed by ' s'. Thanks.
10 h 09 min 54 s
